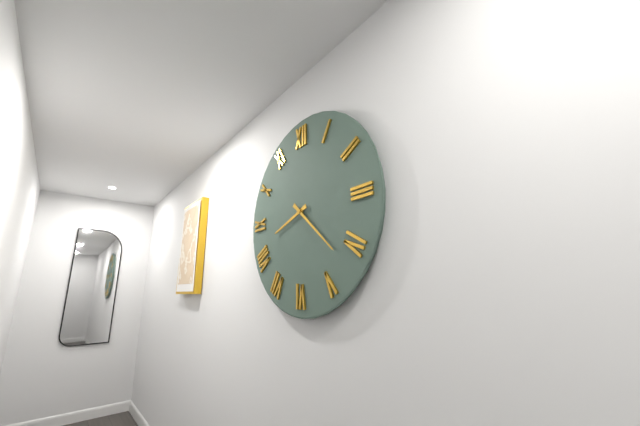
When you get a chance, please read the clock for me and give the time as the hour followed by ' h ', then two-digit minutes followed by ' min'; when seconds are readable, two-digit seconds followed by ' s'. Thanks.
8 h 22 min
